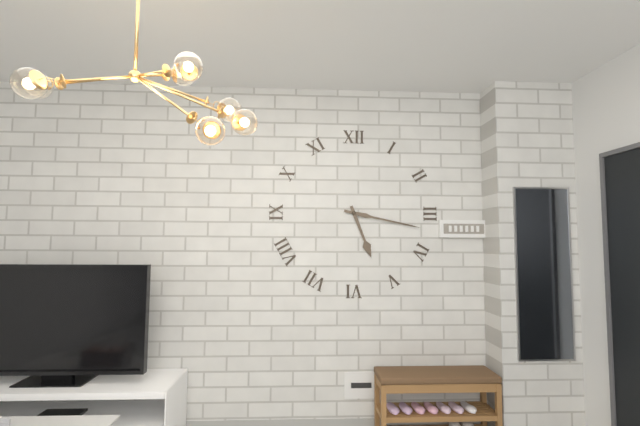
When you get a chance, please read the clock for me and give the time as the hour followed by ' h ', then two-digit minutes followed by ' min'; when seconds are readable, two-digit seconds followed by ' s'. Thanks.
5 h 17 min
